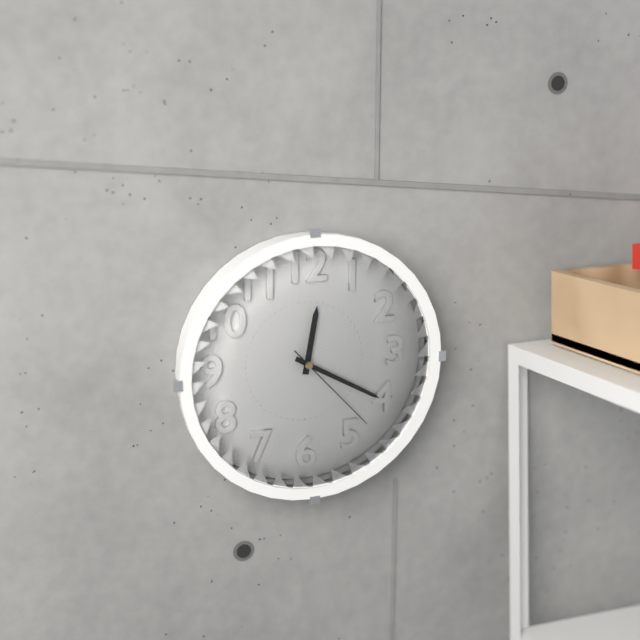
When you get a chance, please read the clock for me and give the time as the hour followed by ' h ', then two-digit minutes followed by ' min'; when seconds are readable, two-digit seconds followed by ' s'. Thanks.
12 h 20 min 23 s
